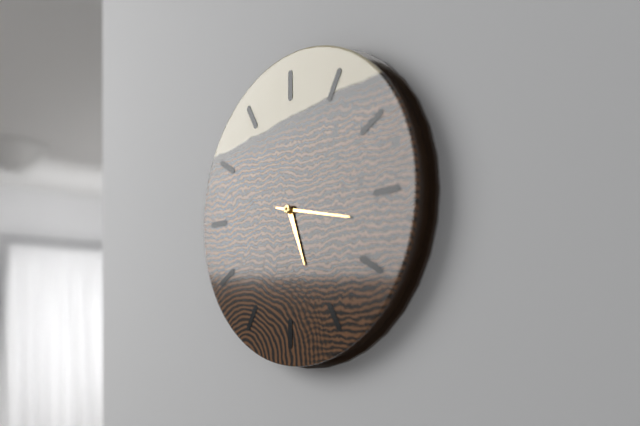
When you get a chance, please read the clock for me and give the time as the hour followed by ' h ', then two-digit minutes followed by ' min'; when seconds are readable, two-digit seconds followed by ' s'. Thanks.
5 h 17 min
